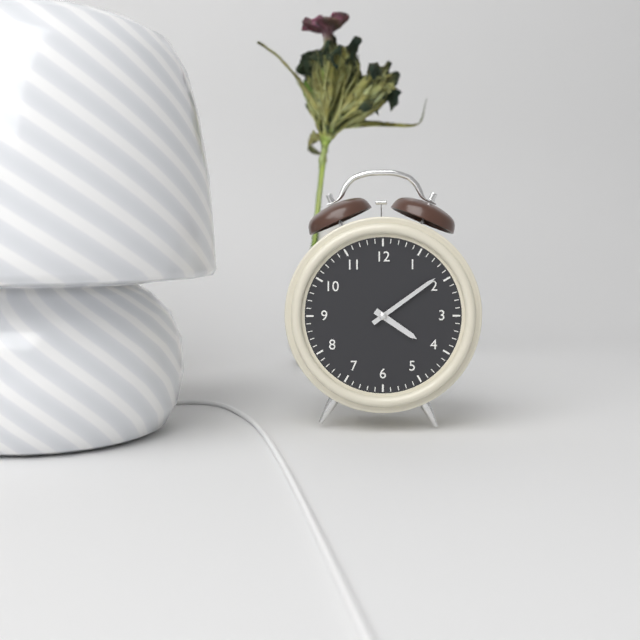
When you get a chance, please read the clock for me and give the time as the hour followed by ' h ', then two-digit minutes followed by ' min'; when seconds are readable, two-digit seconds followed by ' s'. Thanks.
4 h 09 min
